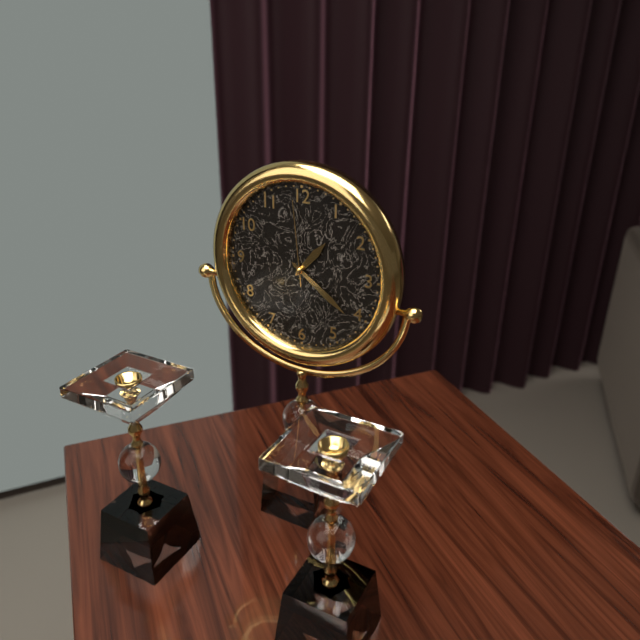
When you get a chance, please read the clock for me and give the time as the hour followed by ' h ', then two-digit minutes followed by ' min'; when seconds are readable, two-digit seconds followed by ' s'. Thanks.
1 h 21 min 59 s
